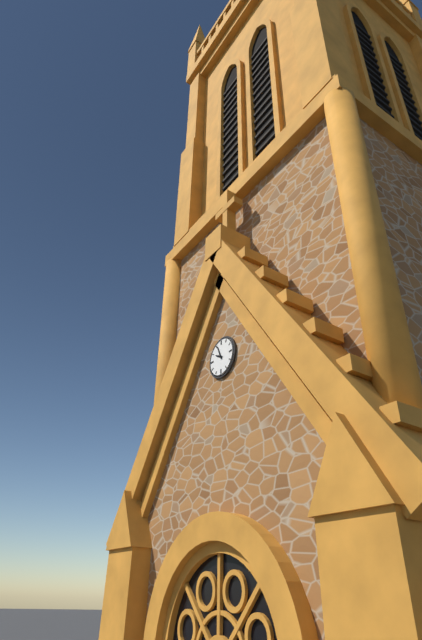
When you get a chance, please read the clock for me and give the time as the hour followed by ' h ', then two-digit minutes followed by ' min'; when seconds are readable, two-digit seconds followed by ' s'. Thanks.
9 h 56 min
